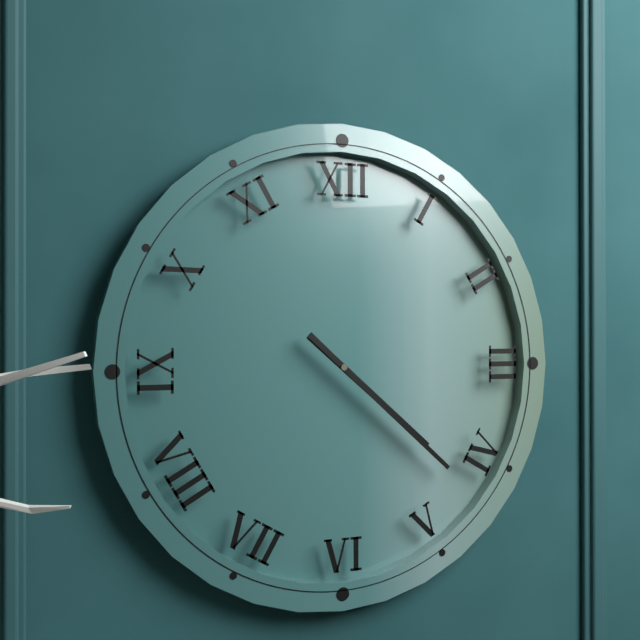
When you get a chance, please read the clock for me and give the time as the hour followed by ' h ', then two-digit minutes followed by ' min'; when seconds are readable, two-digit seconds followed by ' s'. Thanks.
4 h 22 min
